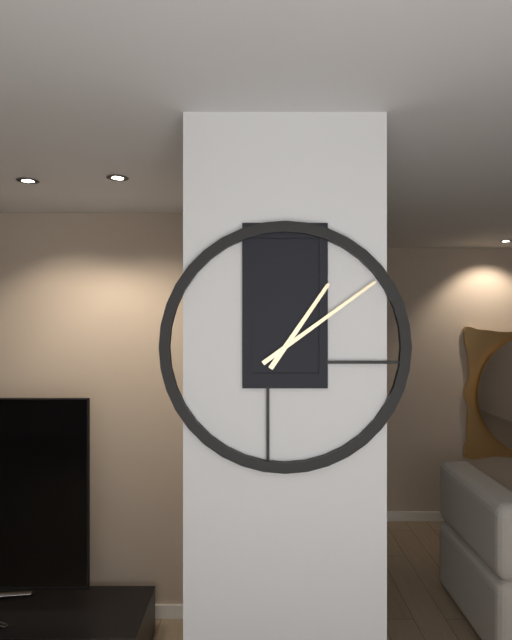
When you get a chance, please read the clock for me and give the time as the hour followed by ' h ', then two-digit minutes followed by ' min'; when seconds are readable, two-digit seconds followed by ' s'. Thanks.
1 h 09 min
